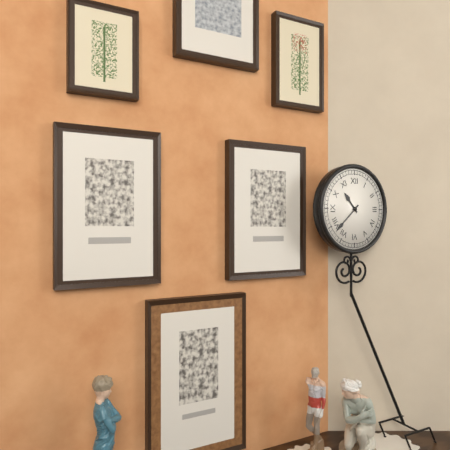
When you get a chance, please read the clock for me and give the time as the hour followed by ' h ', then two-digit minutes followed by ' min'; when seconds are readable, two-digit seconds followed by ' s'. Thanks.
10 h 38 min
